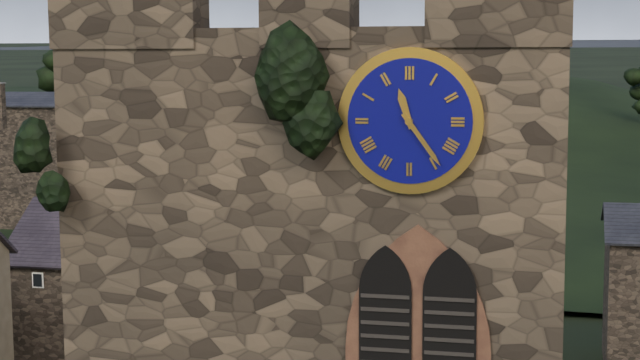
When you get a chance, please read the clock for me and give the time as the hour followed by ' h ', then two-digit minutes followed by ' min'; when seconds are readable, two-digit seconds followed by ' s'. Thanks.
11 h 24 min
